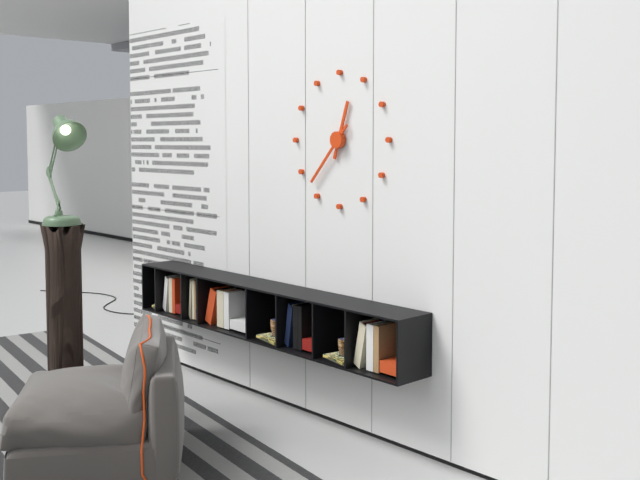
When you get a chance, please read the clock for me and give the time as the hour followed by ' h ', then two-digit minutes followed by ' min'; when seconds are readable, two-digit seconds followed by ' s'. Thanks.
12 h 37 min
